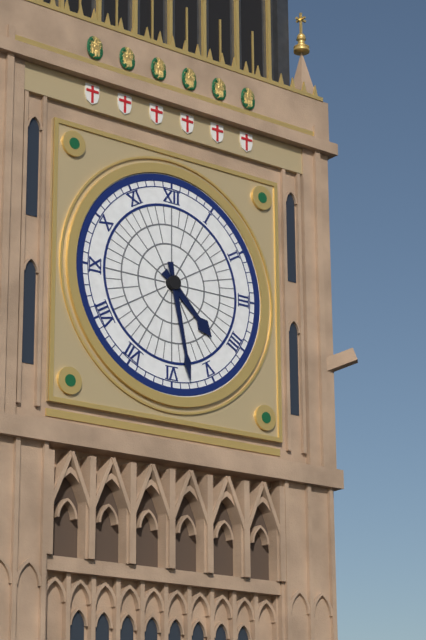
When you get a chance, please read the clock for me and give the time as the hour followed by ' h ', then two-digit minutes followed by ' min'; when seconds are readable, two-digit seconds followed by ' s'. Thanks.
4 h 28 min
